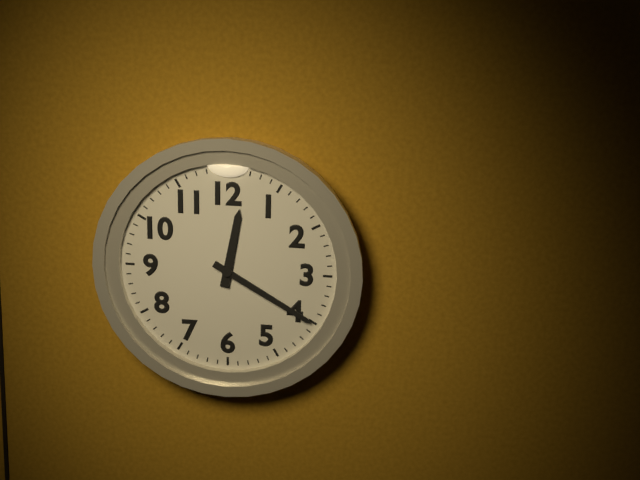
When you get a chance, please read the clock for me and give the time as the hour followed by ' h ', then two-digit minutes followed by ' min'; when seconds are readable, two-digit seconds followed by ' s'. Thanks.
12 h 20 min
